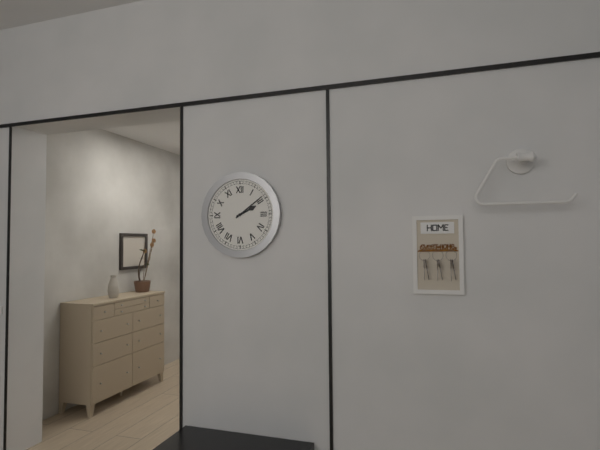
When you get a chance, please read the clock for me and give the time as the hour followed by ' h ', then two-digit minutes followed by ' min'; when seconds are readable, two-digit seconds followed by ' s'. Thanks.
2 h 09 min
